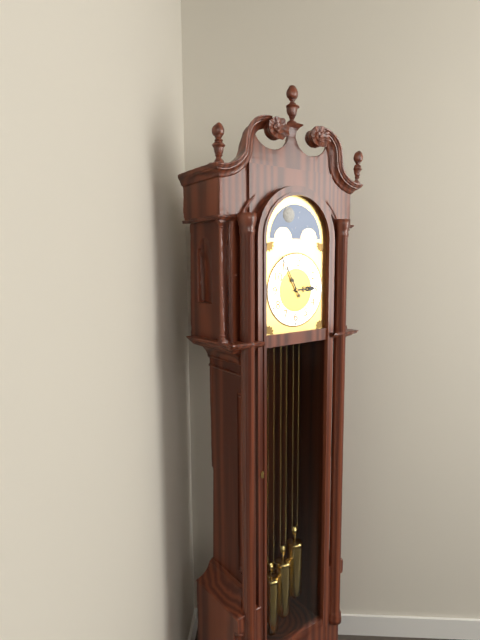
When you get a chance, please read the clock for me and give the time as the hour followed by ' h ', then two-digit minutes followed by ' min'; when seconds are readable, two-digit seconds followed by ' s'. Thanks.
2 h 55 min
